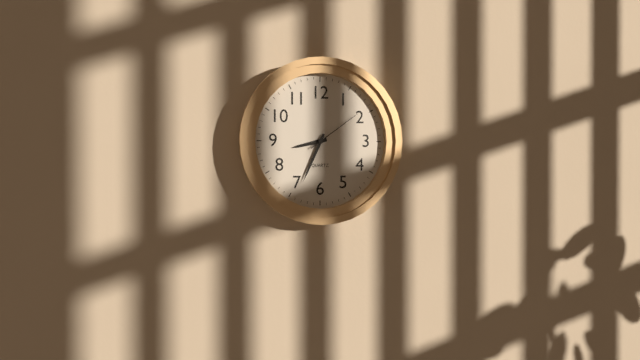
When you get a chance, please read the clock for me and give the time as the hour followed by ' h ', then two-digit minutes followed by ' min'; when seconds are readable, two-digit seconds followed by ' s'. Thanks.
8 h 34 min 09 s
